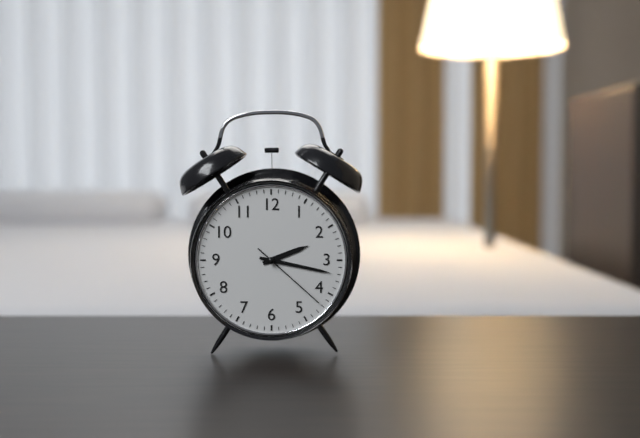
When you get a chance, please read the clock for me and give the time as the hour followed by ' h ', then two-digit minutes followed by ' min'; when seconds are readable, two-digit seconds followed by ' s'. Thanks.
2 h 17 min 22 s
